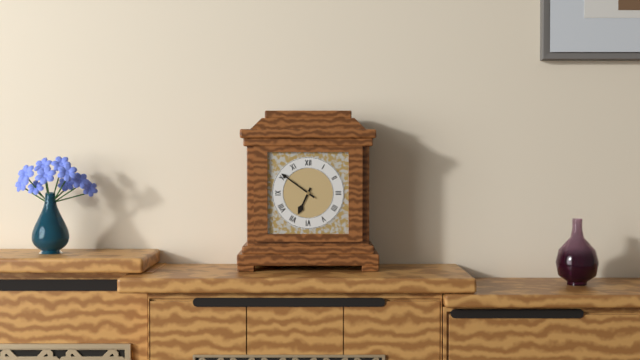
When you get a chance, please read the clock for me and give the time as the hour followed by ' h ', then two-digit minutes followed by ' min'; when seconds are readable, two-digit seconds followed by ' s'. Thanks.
6 h 51 min
